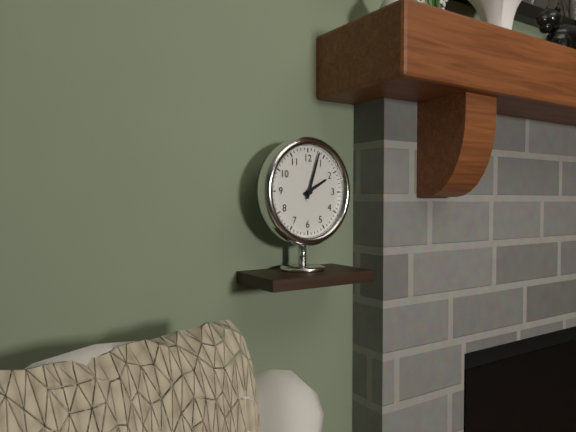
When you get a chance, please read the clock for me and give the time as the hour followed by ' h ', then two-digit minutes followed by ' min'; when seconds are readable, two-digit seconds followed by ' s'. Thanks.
2 h 03 min
